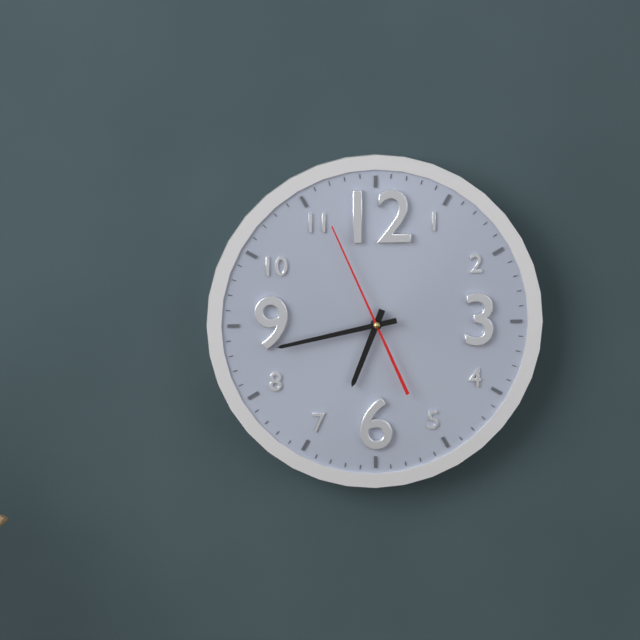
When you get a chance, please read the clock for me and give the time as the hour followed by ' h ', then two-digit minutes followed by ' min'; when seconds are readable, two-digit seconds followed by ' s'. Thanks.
6 h 43 min 56 s
